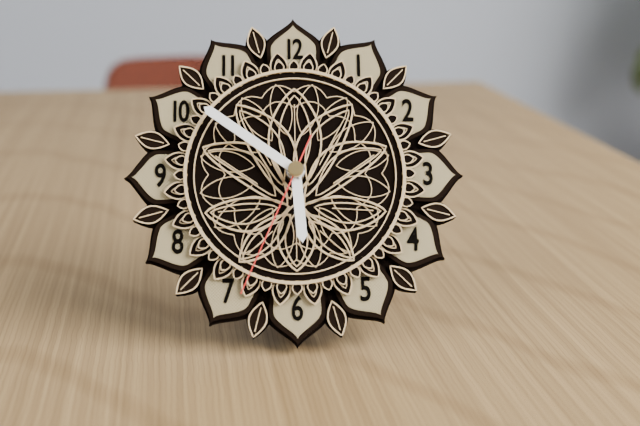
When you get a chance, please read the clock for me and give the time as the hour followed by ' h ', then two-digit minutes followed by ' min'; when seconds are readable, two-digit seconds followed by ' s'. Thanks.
5 h 51 min 34 s
